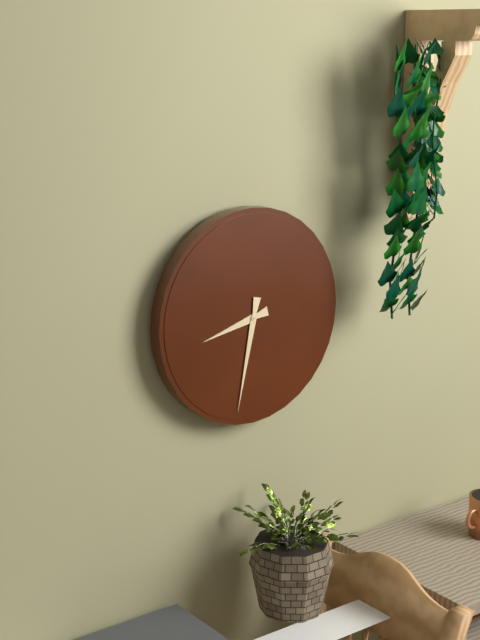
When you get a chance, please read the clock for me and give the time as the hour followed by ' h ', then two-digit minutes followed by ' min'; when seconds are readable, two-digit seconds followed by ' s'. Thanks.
8 h 32 min
